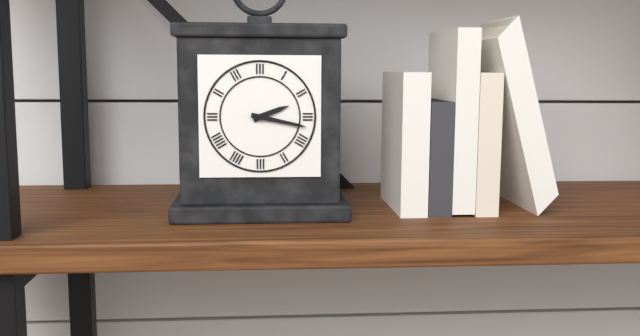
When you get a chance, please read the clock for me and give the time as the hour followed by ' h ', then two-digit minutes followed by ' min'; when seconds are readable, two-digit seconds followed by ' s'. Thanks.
2 h 17 min
